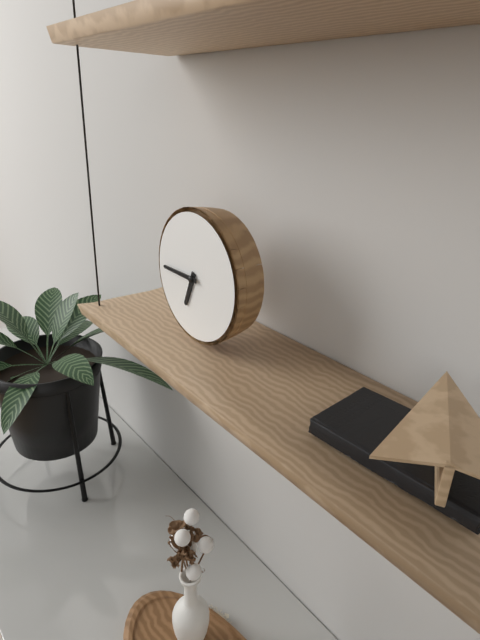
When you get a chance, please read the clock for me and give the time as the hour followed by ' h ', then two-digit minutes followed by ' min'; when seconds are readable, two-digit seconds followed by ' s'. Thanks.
6 h 45 min
